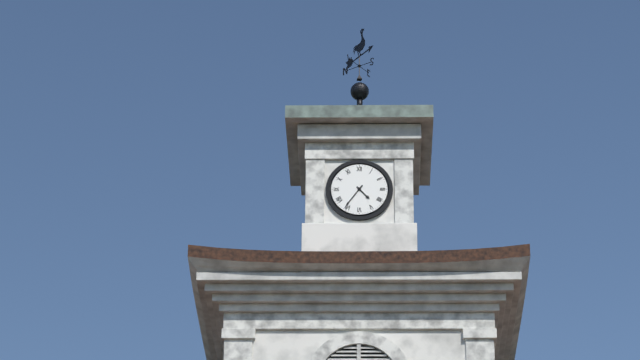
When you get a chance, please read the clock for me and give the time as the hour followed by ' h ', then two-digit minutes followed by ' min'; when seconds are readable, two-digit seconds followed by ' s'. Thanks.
4 h 36 min
